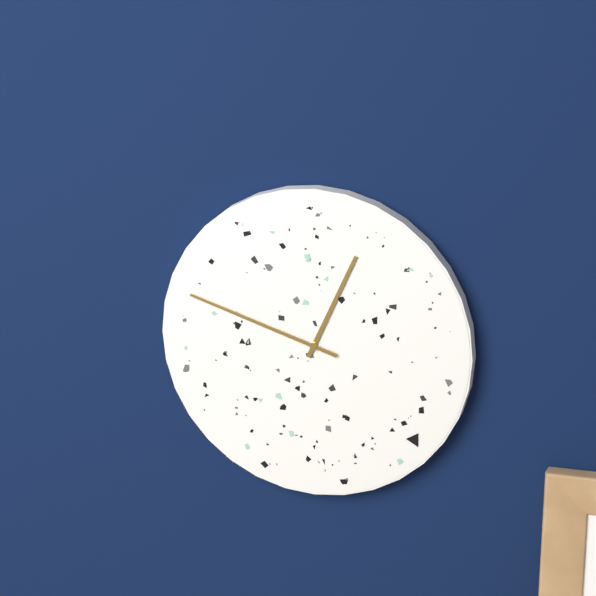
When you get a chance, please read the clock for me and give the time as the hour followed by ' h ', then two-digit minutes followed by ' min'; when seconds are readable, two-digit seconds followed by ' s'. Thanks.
12 h 48 min
